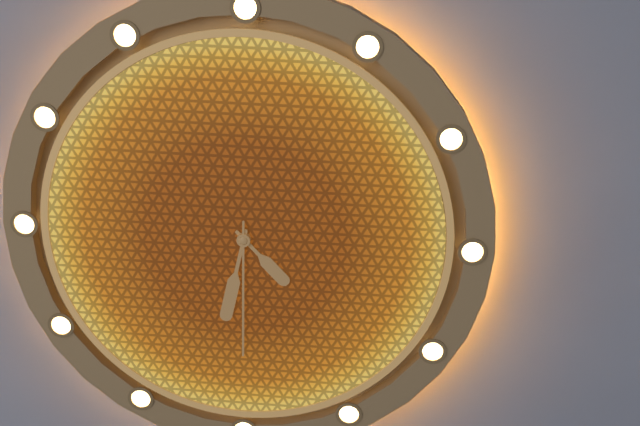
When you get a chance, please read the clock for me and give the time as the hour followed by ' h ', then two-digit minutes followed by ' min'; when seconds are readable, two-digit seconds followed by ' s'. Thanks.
4 h 32 min 30 s
